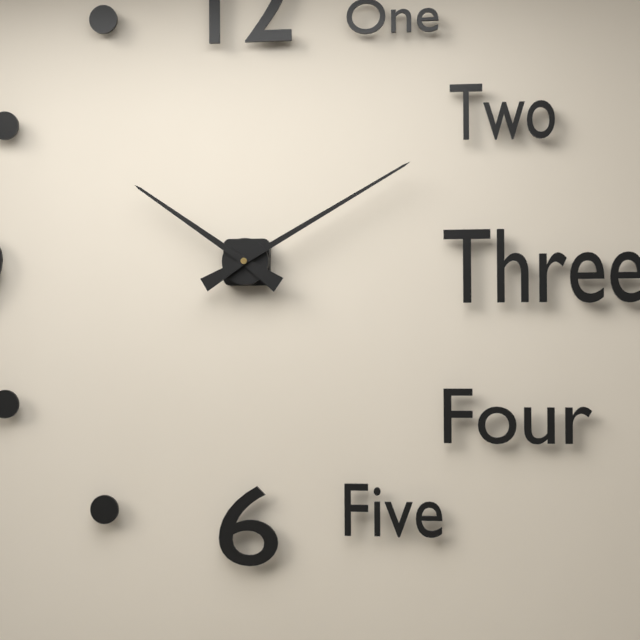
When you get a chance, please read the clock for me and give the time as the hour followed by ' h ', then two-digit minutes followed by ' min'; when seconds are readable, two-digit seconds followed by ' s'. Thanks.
10 h 10 min
